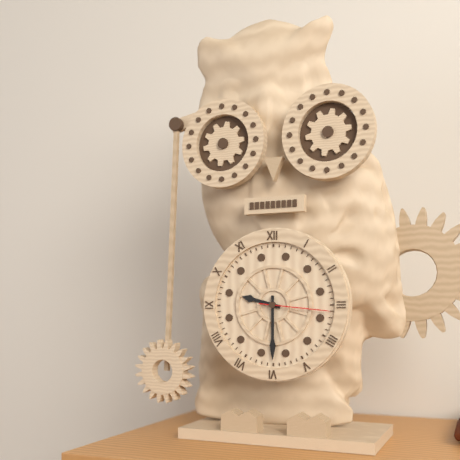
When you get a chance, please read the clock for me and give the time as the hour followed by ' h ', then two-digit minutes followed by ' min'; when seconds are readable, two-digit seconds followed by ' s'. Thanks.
9 h 30 min 16 s
